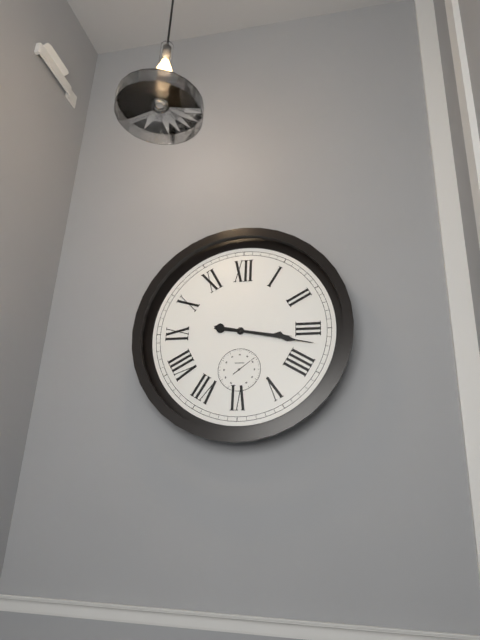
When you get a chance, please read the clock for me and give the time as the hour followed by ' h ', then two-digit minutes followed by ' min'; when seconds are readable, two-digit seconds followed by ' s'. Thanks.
3 h 17 min
